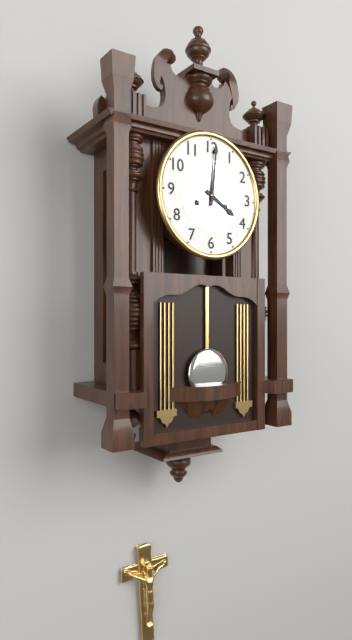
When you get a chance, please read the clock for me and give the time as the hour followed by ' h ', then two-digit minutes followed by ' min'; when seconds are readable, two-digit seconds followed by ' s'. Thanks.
4 h 01 min
